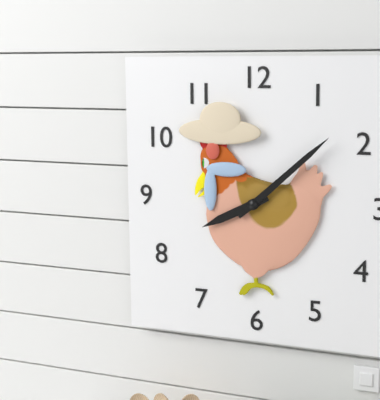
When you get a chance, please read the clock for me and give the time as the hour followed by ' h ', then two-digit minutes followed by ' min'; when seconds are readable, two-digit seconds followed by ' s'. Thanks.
8 h 08 min
